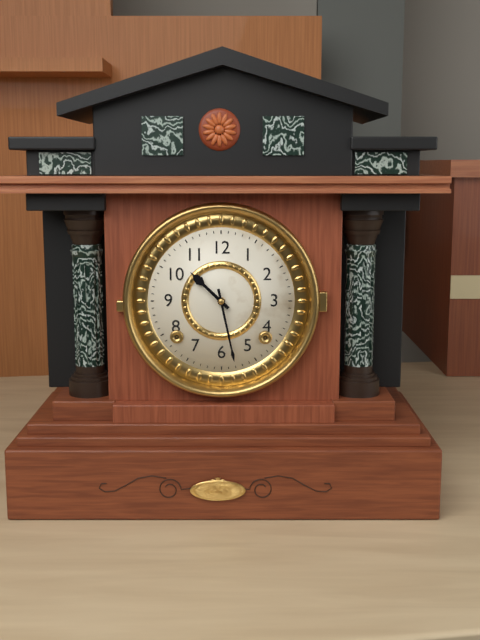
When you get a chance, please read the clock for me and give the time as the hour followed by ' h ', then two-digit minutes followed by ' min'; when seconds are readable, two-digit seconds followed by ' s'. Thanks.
10 h 28 min
